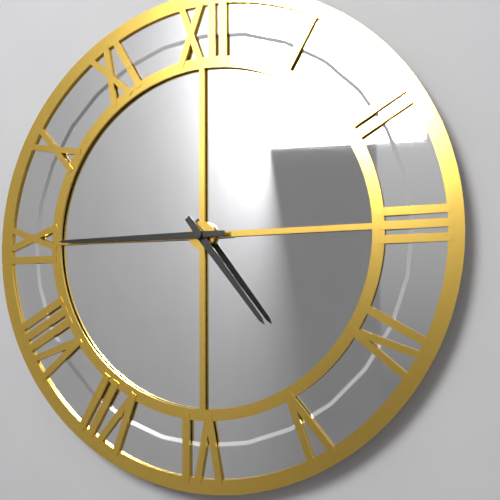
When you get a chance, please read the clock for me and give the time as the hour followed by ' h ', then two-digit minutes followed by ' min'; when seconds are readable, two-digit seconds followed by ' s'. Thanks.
4 h 45 min
